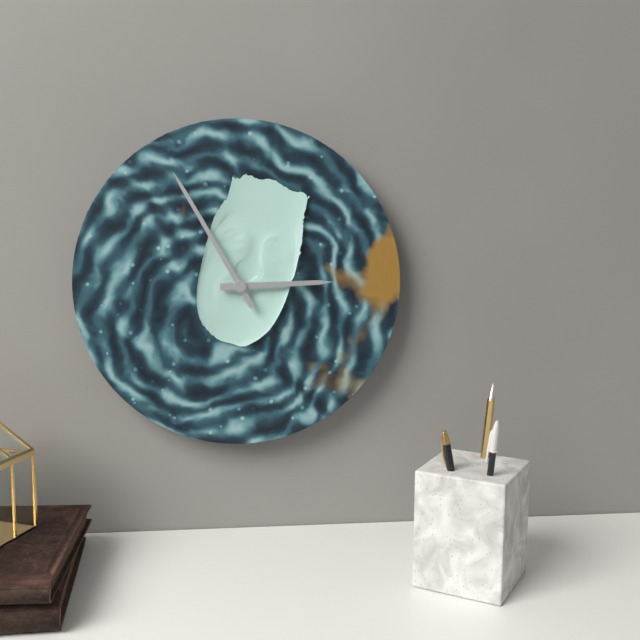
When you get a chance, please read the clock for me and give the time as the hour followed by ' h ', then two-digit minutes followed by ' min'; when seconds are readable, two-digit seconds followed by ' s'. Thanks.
2 h 55 min
